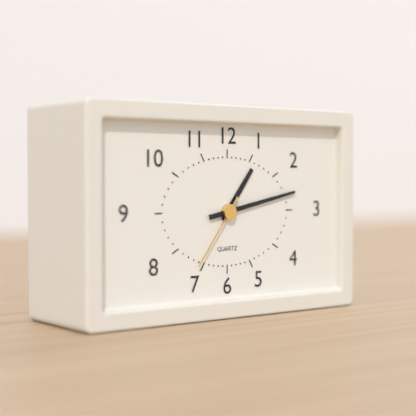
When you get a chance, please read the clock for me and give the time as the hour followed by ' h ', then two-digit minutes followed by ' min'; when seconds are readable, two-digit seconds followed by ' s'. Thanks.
1 h 13 min 36 s
